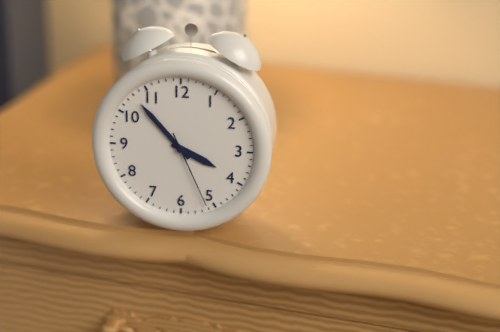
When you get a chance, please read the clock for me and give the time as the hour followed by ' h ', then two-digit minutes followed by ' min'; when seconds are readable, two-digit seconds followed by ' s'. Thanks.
3 h 53 min 26 s
